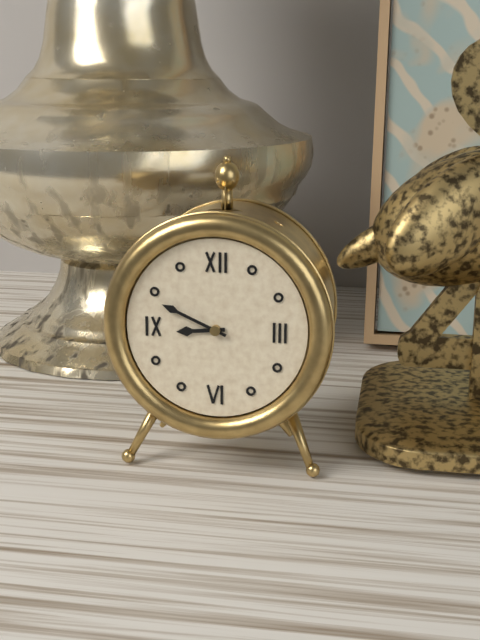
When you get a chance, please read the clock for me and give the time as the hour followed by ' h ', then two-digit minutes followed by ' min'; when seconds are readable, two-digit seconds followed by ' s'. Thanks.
8 h 49 min
